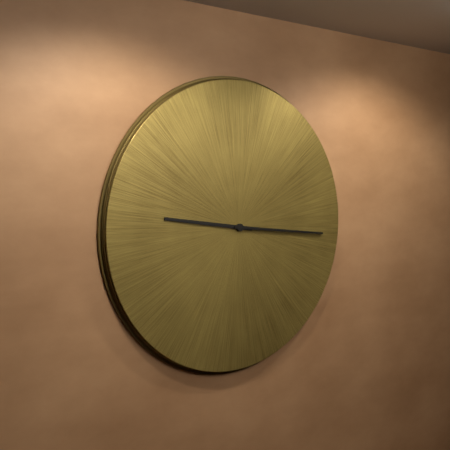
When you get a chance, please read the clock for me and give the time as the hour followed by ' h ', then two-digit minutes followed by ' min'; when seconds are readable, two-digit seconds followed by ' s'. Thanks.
9 h 16 min
